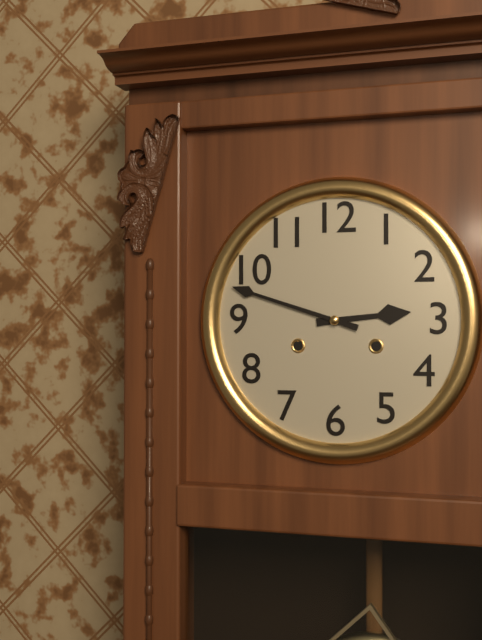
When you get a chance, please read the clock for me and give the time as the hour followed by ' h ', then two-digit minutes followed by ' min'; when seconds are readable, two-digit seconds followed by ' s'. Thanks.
2 h 48 min
